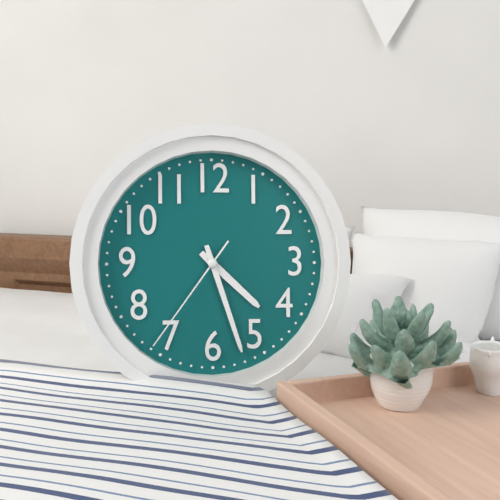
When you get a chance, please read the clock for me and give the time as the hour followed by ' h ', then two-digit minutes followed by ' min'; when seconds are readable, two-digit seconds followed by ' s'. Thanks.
4 h 27 min 36 s
